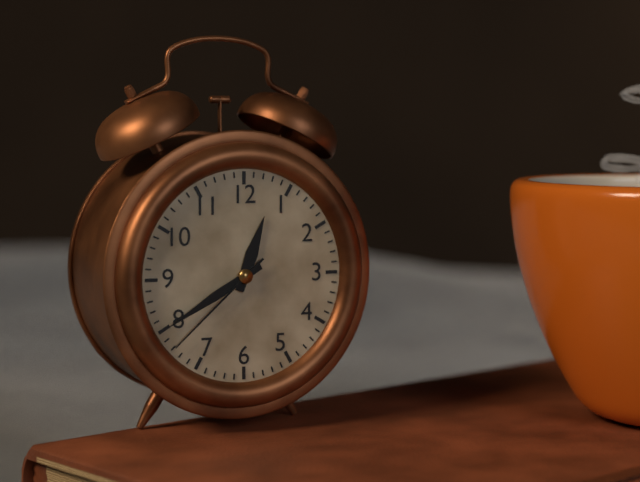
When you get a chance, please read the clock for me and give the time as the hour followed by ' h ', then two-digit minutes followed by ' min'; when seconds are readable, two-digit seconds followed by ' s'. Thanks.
12 h 40 min 38 s
